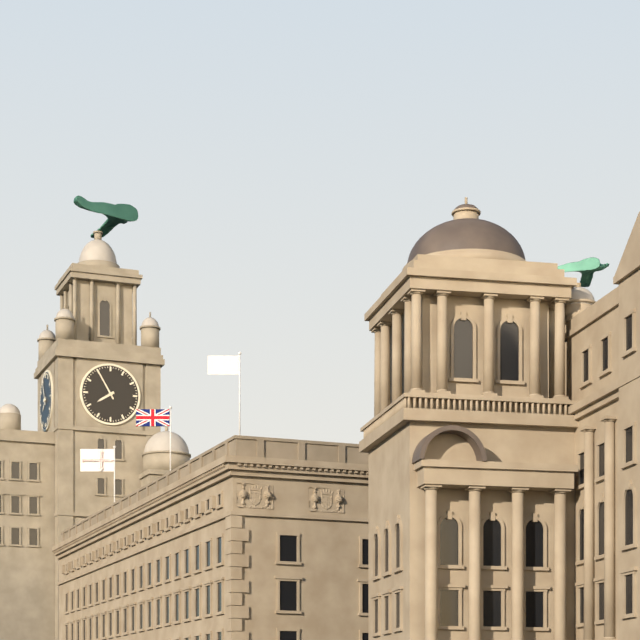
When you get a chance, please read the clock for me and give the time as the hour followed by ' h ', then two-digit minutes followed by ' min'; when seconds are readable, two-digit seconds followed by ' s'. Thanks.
7 h 55 min
